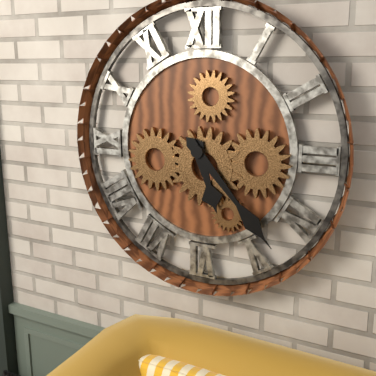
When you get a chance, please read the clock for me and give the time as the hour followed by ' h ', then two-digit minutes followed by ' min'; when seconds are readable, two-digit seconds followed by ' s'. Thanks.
5 h 23 min
